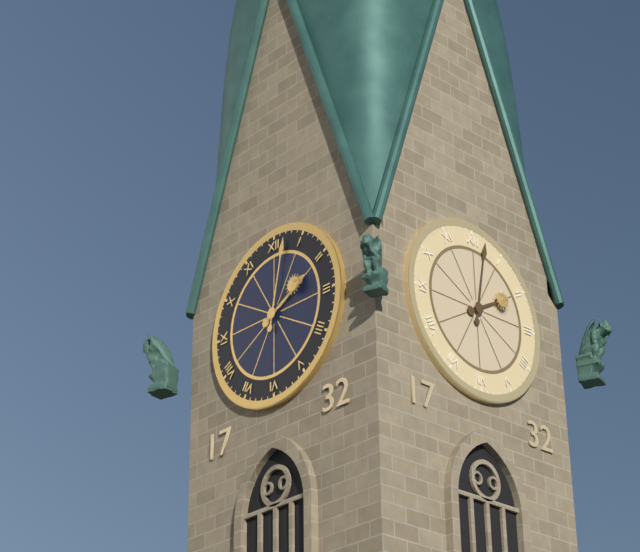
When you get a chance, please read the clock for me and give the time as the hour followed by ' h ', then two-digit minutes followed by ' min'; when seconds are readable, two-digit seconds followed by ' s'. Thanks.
2 h 02 min
